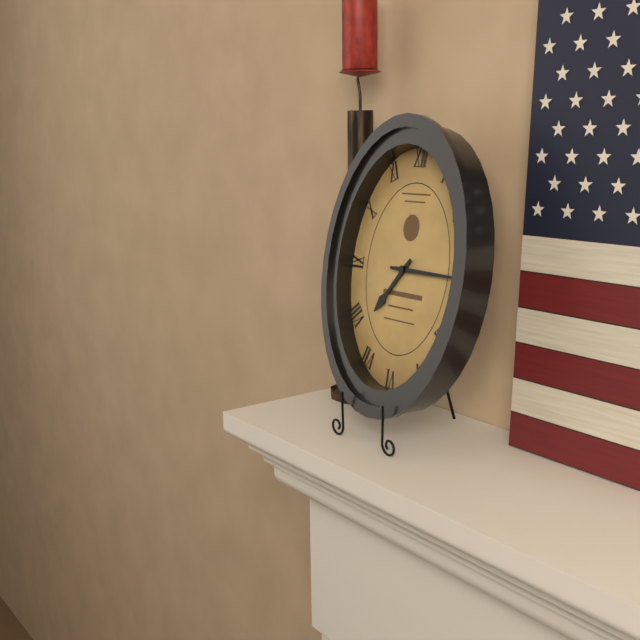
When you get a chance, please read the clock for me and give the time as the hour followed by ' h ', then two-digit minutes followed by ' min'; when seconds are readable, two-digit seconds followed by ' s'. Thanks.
7 h 15 min
